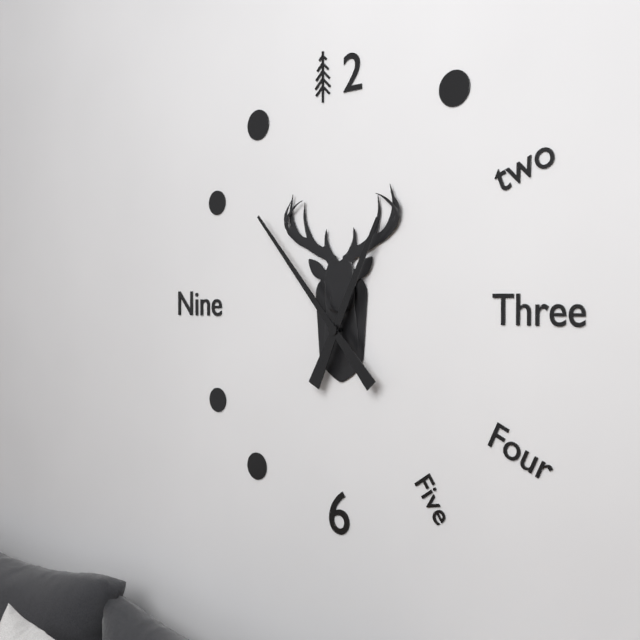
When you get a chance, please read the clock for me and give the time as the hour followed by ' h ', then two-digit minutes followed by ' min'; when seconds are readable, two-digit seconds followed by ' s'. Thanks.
12 h 53 min
